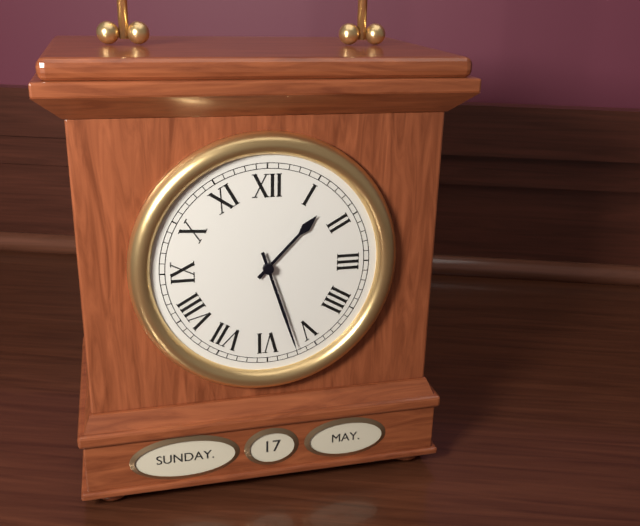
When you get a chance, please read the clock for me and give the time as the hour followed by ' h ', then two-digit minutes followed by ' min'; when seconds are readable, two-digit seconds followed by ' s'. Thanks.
1 h 27 min
